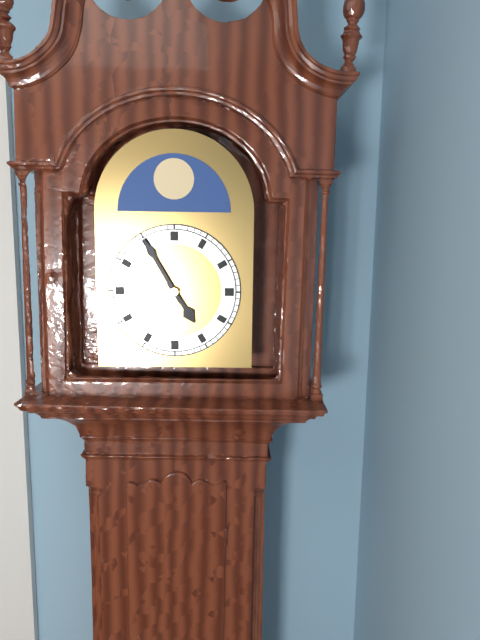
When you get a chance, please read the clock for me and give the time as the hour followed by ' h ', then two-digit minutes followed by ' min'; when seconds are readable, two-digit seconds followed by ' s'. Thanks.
4 h 55 min
